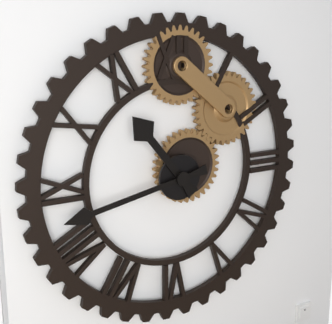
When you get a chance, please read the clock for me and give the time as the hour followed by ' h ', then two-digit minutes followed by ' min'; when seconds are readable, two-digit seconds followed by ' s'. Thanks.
10 h 43 min
